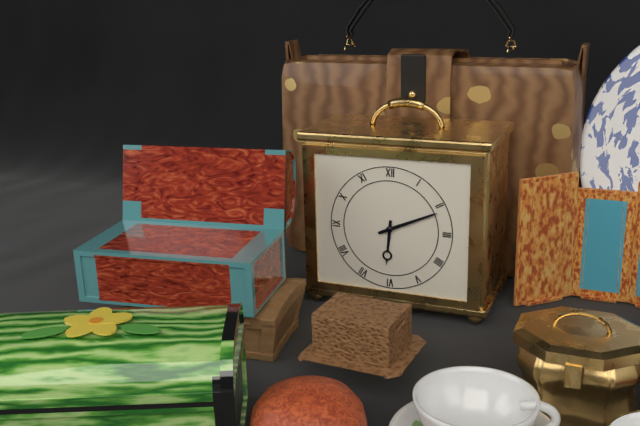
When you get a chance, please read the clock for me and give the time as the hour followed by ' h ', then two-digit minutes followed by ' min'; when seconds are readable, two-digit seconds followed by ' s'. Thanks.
6 h 11 min
